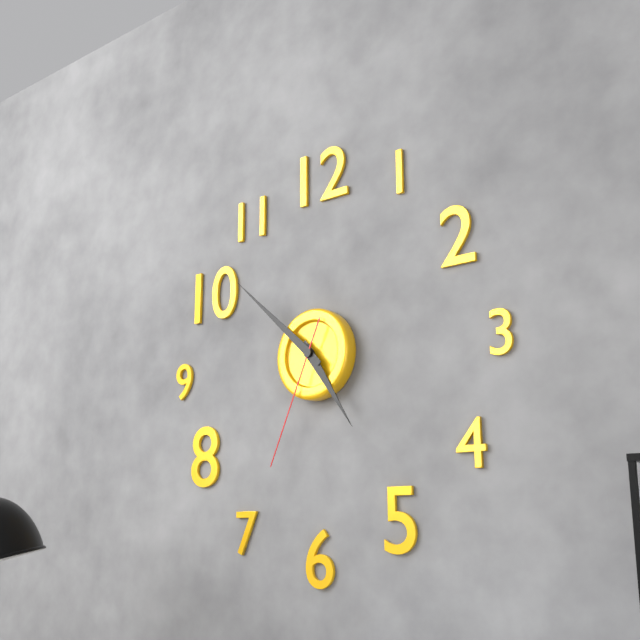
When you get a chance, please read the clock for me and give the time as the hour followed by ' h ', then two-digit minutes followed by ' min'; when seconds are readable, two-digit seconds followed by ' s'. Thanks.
4 h 52 min 34 s
